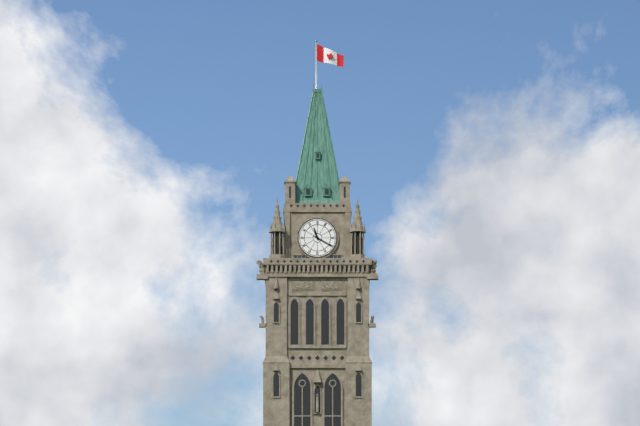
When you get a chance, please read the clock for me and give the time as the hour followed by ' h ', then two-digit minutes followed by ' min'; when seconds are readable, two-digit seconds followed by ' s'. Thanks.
11 h 20 min
